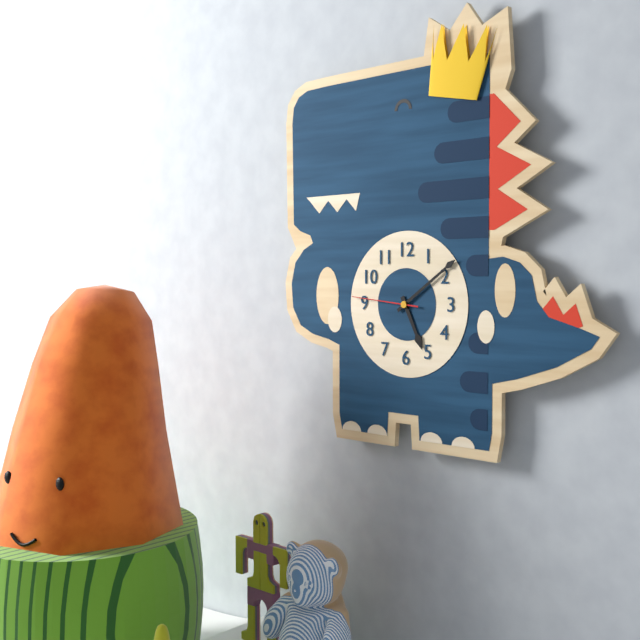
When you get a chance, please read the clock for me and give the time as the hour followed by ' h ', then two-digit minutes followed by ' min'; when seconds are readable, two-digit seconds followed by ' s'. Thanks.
5 h 09 min 46 s
